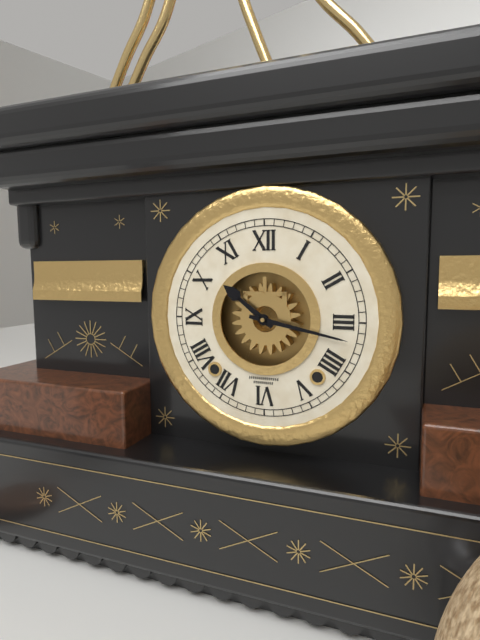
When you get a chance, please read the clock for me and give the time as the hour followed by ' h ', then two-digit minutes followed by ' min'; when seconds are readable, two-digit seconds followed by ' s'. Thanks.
10 h 17 min
